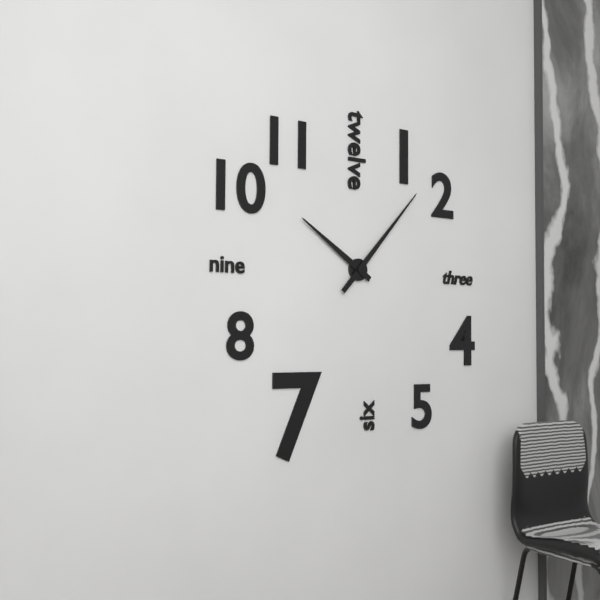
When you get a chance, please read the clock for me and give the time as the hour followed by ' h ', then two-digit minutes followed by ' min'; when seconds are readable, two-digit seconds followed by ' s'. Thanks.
10 h 07 min
